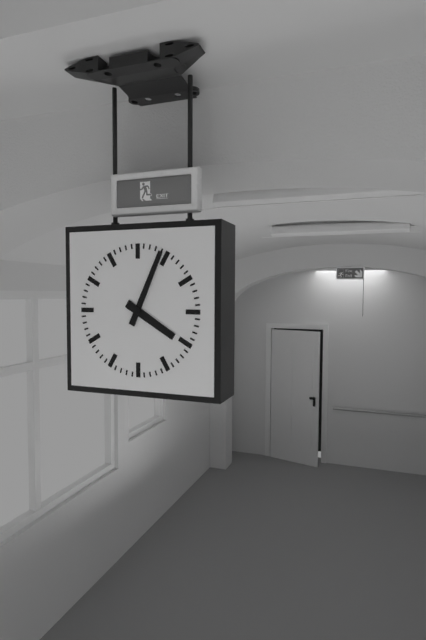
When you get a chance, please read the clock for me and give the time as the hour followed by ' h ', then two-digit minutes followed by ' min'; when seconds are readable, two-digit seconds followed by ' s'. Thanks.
4 h 04 min
